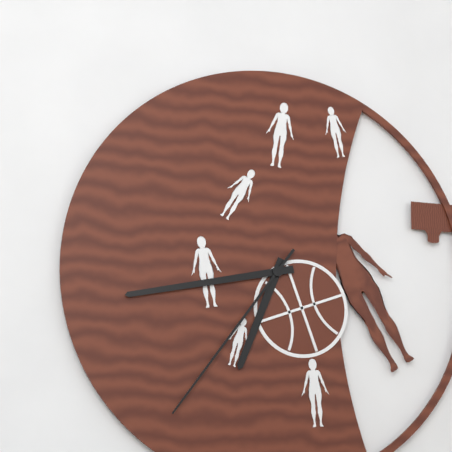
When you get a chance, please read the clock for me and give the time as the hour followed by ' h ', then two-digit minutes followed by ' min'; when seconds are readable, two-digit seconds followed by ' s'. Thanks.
6 h 43 min 36 s
